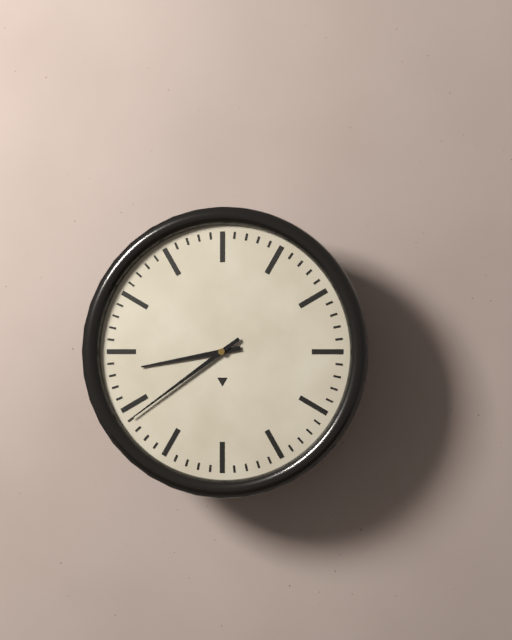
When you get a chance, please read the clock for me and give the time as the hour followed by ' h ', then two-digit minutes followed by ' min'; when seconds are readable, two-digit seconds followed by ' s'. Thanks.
8 h 39 min
